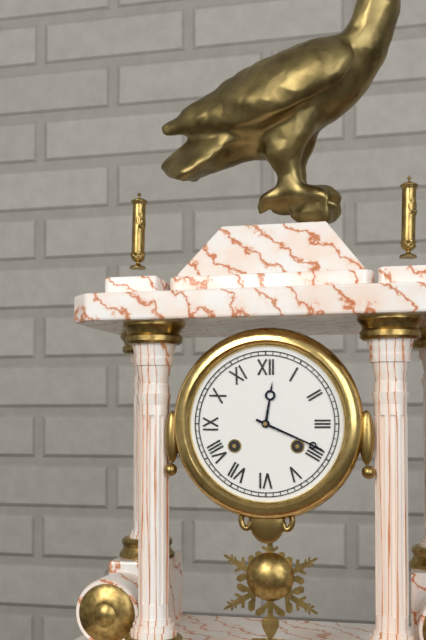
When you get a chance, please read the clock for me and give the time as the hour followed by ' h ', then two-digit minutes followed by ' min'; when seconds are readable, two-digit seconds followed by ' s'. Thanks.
12 h 19 min
